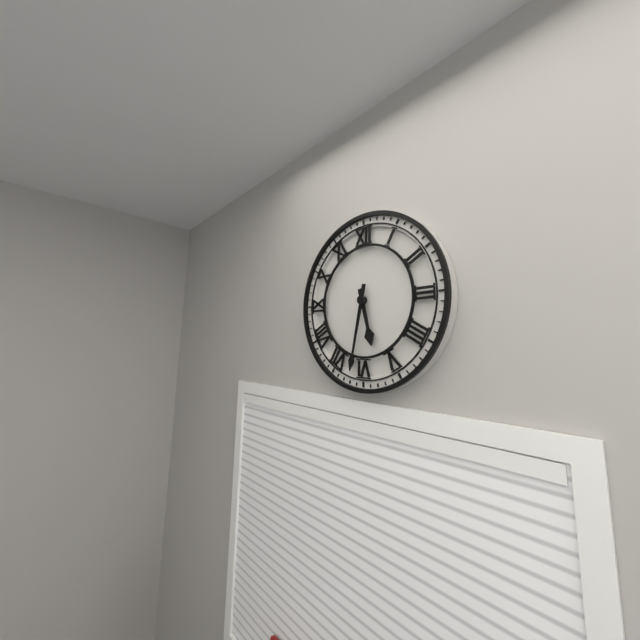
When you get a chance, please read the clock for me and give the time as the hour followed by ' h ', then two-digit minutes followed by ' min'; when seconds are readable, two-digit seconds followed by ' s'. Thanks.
5 h 32 min
